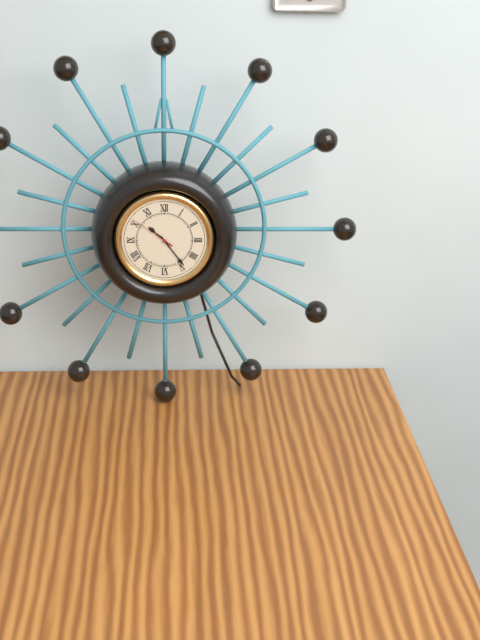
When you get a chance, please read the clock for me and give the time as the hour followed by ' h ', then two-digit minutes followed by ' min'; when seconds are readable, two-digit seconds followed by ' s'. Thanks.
10 h 24 min
